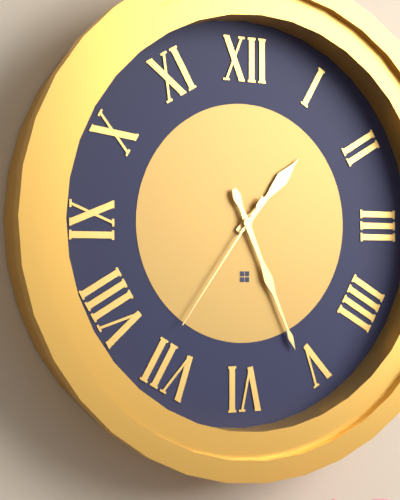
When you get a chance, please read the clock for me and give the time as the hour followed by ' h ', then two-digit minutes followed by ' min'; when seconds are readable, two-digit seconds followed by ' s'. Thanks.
1 h 26 min 36 s
